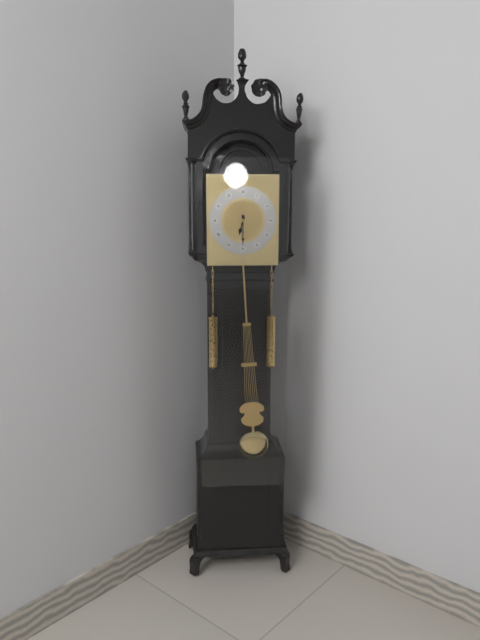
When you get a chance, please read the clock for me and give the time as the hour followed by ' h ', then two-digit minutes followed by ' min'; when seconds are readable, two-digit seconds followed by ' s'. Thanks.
6 h 30 min
